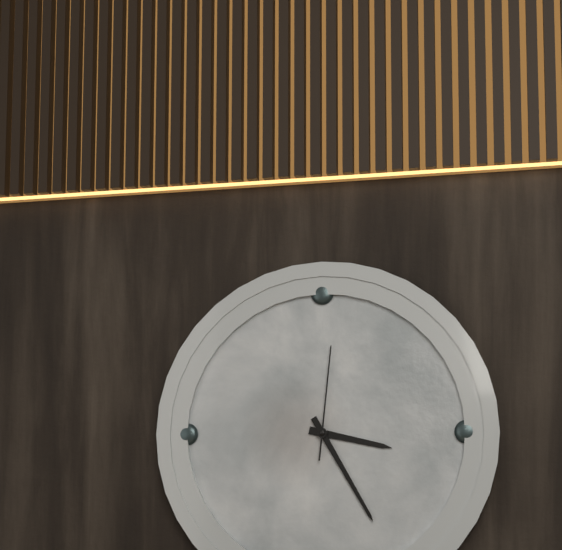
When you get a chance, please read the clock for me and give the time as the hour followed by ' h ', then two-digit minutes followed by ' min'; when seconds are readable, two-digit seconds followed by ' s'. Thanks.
3 h 25 min 01 s
